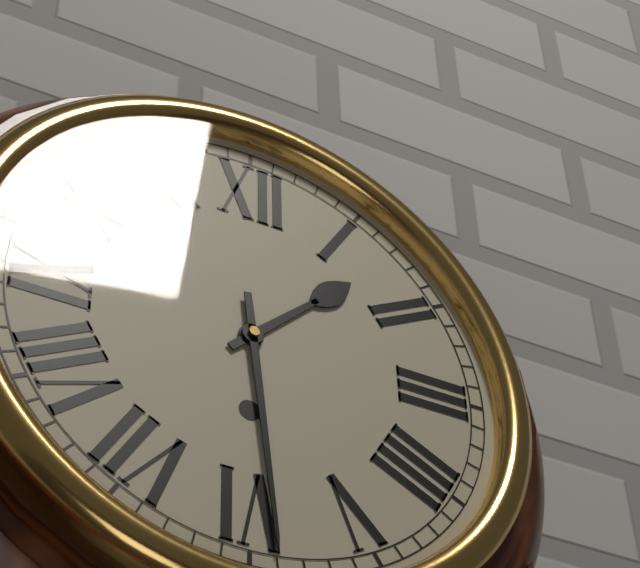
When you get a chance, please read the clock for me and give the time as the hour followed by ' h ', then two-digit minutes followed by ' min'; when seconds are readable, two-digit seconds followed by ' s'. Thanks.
1 h 29 min
